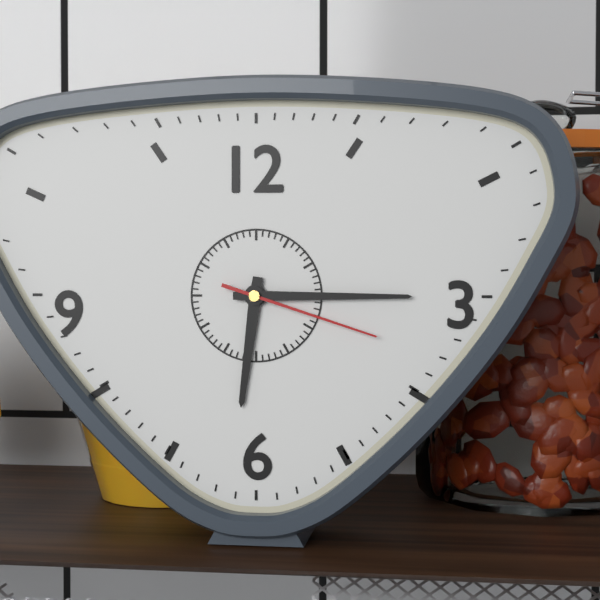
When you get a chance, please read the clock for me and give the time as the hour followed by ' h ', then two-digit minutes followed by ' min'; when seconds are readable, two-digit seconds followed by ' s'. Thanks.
6 h 15 min 18 s
